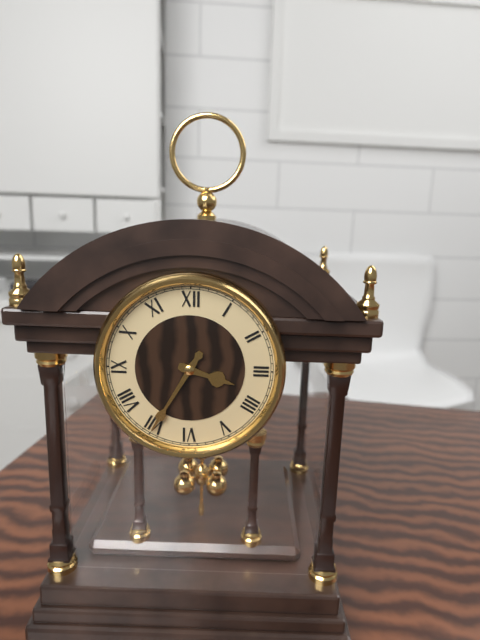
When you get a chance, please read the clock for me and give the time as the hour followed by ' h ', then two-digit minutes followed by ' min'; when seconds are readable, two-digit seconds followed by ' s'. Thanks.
3 h 35 min
